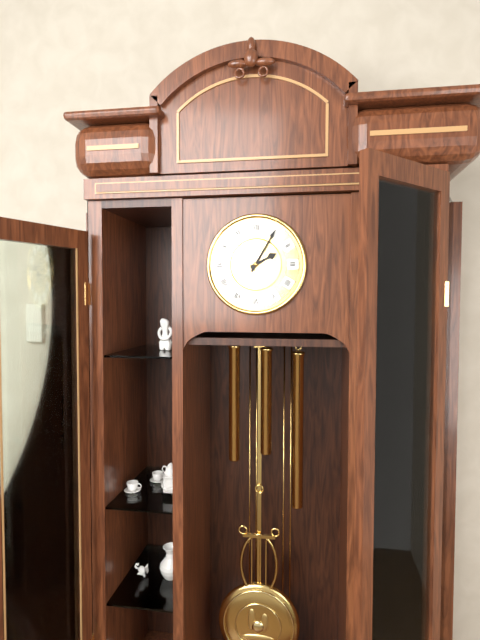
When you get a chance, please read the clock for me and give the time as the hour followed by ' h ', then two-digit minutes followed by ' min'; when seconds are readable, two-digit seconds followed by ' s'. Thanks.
2 h 05 min
